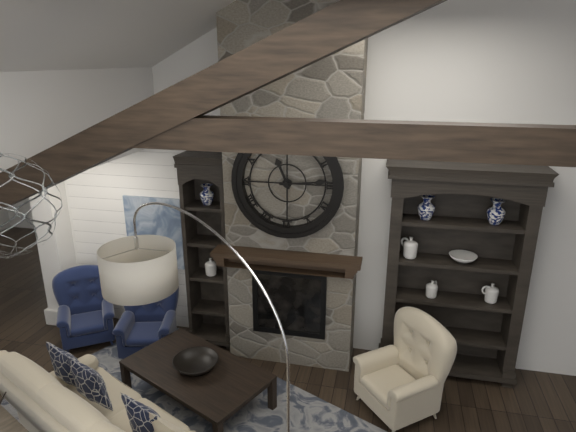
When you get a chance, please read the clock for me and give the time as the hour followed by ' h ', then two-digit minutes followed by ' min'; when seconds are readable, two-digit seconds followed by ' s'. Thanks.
11 h 14 min
